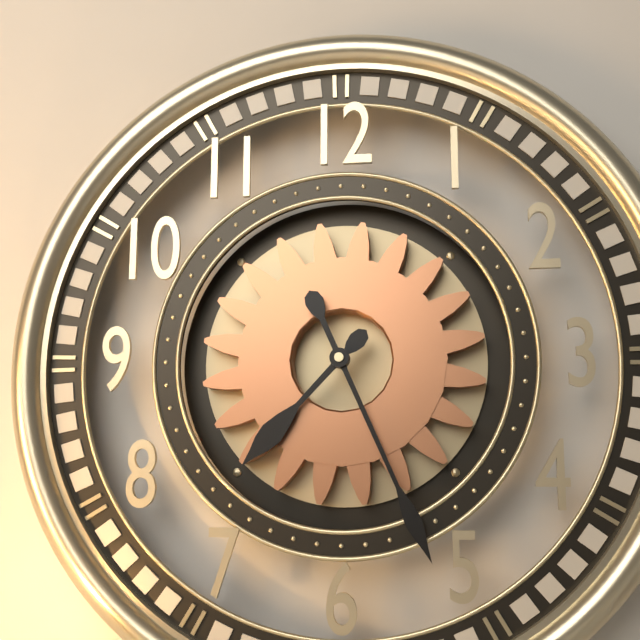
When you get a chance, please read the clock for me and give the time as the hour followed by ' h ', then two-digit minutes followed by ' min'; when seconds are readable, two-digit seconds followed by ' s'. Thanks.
7 h 26 min
